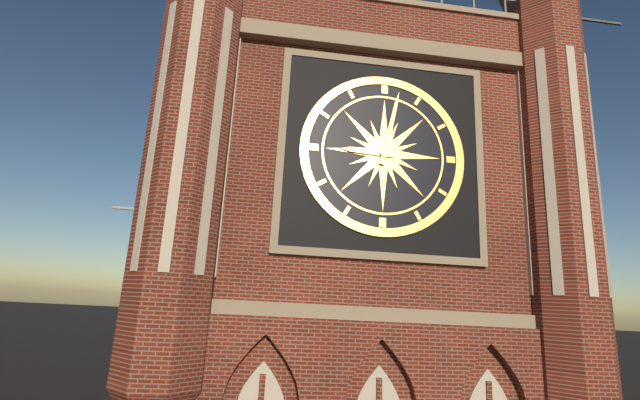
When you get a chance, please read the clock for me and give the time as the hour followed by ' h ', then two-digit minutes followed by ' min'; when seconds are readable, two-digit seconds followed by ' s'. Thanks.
9 h 02 min
